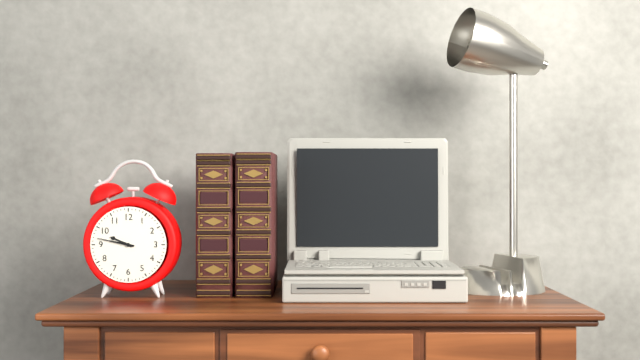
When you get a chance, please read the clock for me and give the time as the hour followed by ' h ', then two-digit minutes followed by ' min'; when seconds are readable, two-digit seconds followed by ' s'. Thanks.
9 h 47 min
